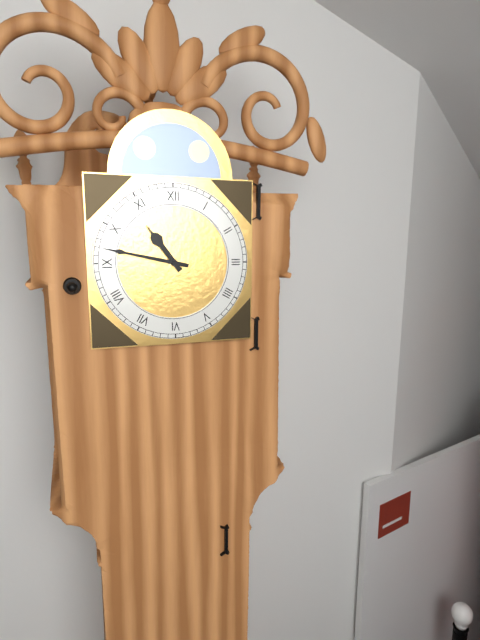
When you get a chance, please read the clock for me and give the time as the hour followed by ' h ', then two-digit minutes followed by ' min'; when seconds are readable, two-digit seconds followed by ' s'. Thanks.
10 h 47 min
